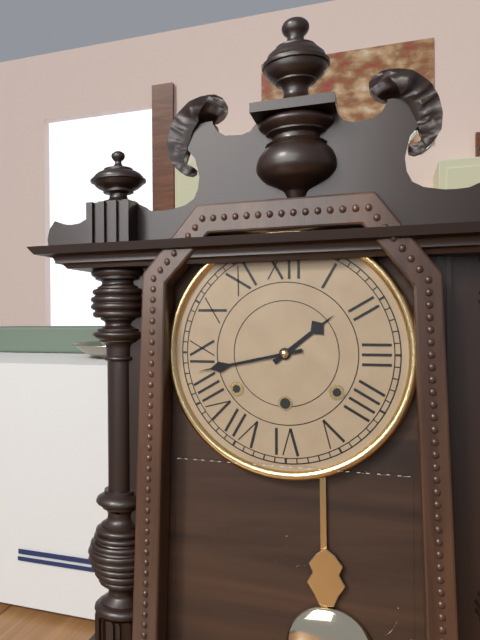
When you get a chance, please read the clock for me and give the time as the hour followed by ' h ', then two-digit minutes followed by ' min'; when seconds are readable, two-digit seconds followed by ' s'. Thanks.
1 h 43 min
